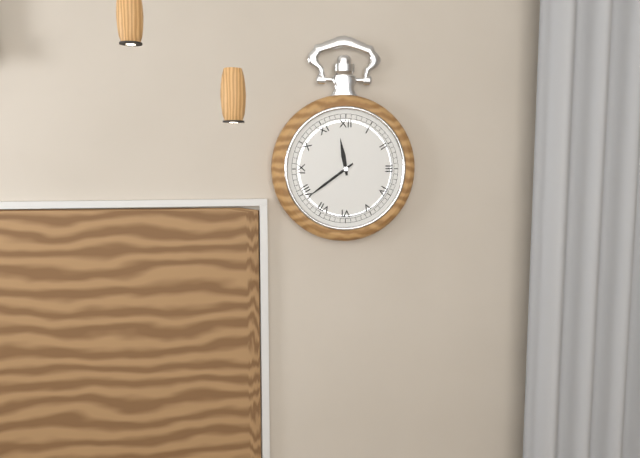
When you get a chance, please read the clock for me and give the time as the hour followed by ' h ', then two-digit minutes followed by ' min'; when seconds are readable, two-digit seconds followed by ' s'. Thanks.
11 h 39 min
